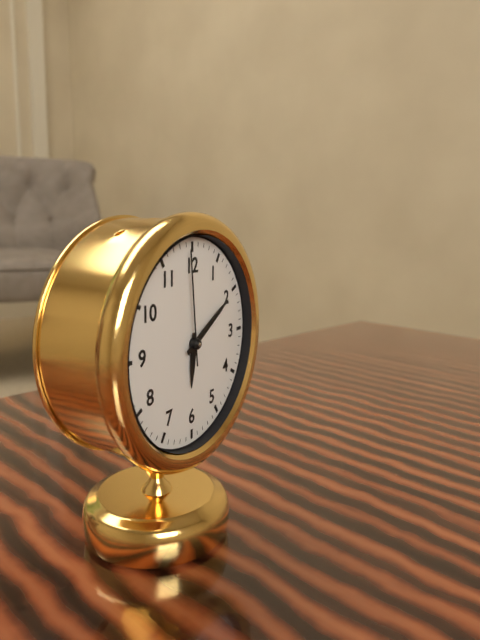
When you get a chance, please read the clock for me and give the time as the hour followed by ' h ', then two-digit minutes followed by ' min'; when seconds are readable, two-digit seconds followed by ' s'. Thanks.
6 h 10 min 59 s
